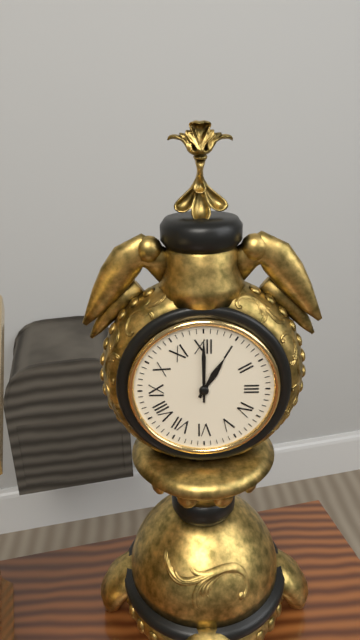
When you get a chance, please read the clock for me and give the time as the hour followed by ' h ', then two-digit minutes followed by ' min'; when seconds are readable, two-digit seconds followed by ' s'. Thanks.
1 h 00 min
